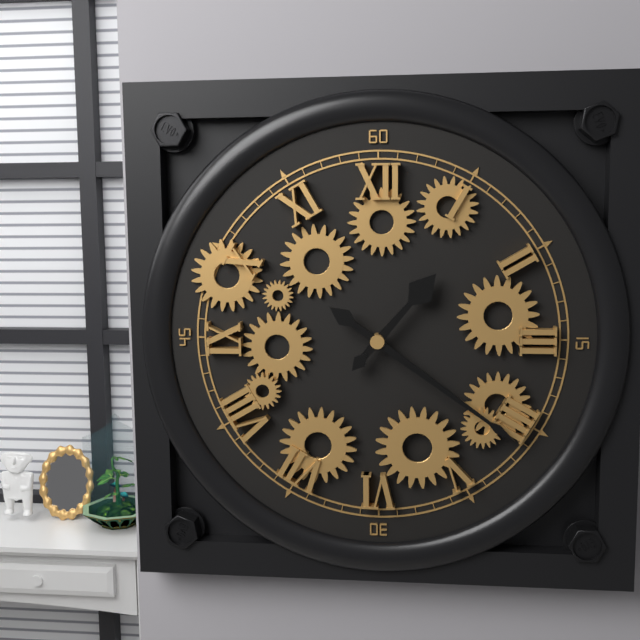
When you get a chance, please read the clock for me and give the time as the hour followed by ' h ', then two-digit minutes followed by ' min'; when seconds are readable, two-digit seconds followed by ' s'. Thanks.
1 h 21 min
